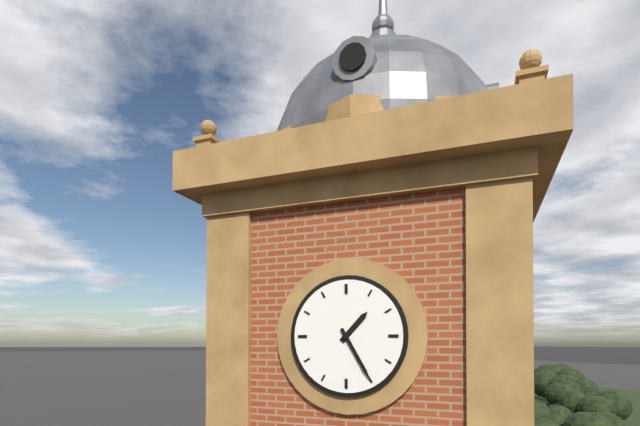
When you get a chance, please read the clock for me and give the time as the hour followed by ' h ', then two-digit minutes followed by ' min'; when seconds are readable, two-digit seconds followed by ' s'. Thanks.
1 h 25 min
